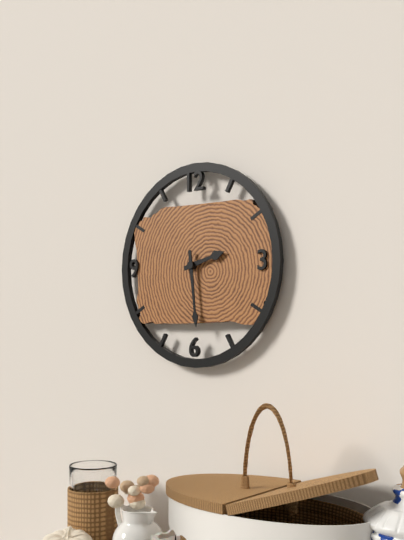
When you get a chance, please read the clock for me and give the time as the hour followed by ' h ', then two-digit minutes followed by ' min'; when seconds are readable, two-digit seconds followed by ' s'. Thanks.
2 h 29 min
